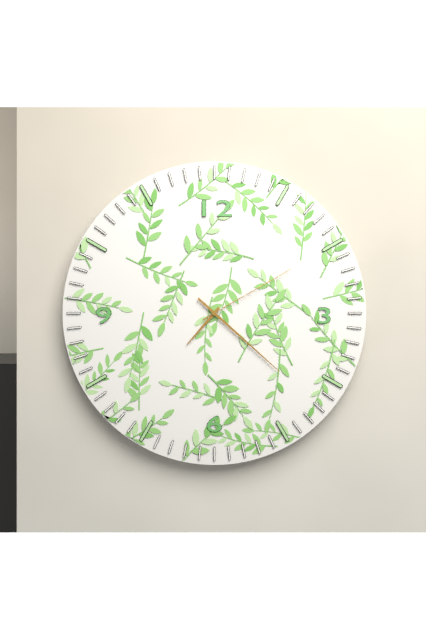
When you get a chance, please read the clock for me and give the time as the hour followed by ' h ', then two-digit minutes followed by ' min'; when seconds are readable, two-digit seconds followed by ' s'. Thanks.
7 h 22 min 10 s
